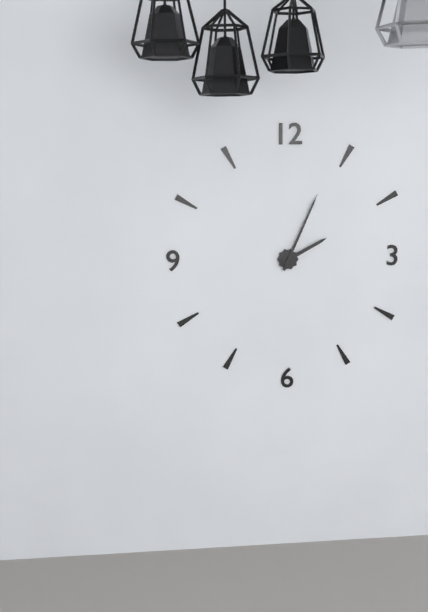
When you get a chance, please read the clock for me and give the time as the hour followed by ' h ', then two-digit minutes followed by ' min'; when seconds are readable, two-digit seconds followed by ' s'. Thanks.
2 h 04 min
